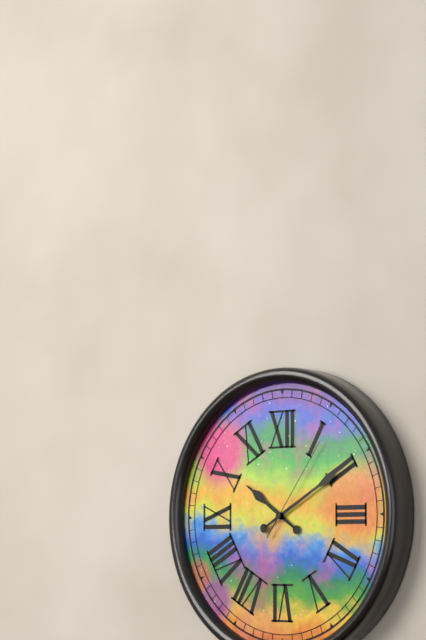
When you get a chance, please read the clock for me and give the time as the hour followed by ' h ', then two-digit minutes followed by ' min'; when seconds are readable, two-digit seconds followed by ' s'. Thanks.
10 h 10 min 06 s
